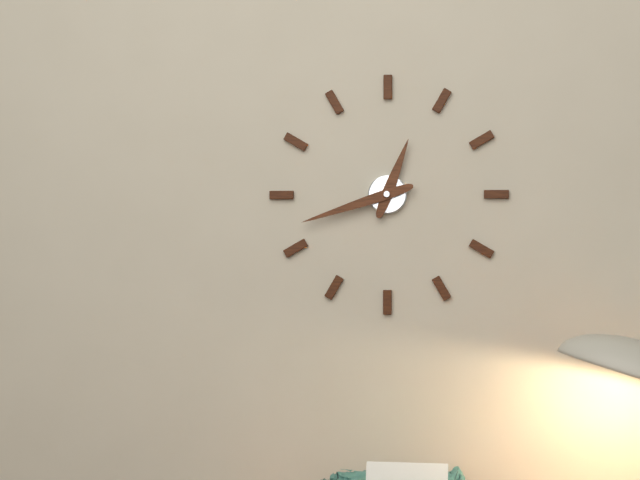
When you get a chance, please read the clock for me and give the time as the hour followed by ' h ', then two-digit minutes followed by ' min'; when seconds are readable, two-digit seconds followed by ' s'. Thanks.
12 h 42 min
